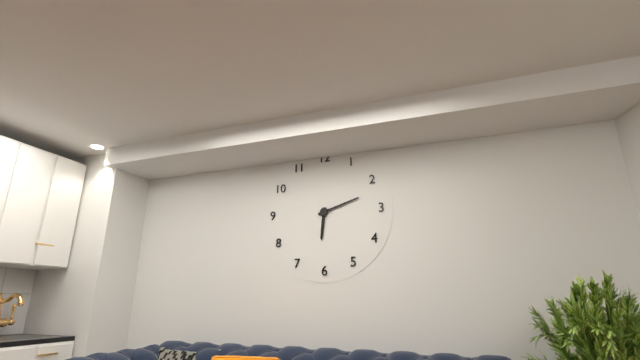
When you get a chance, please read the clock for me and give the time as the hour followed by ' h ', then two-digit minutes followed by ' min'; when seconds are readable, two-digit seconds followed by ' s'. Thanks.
6 h 12 min
